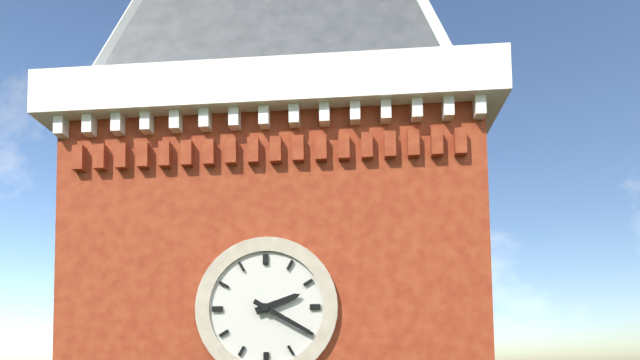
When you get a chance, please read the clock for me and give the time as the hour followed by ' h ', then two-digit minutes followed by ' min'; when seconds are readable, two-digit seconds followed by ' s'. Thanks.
2 h 20 min
